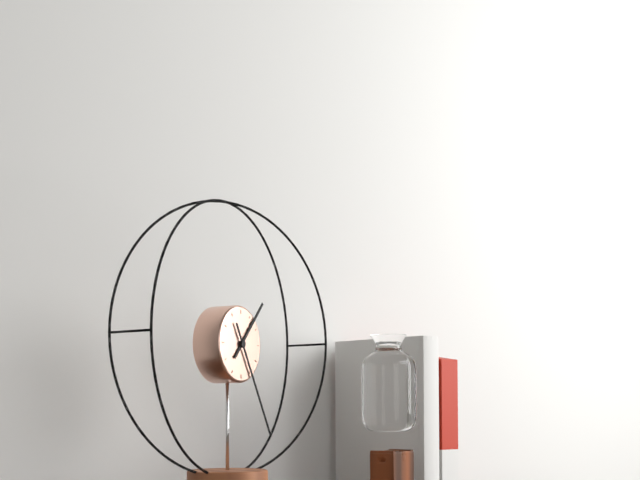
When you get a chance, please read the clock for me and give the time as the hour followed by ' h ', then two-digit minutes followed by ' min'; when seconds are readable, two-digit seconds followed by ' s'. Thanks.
1 h 25 min
